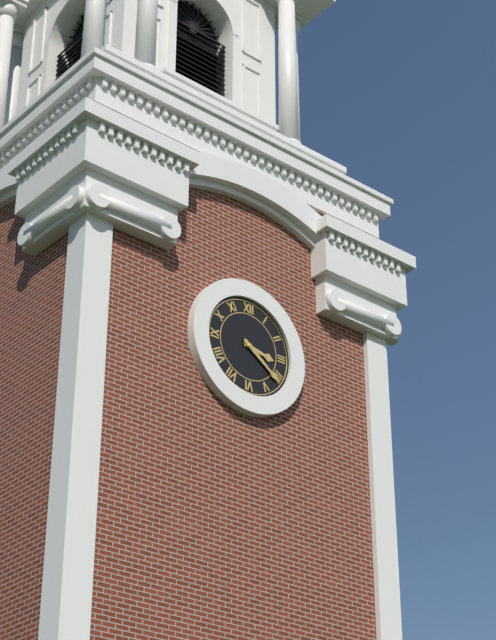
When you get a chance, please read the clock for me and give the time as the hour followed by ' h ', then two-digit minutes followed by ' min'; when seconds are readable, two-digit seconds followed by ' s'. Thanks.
3 h 21 min
